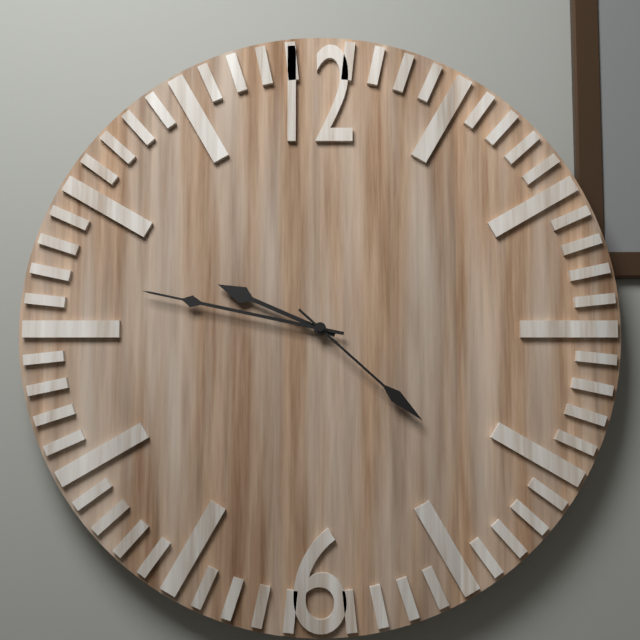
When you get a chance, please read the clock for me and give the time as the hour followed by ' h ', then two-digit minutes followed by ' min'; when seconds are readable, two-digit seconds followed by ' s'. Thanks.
9 h 47 min 22 s
